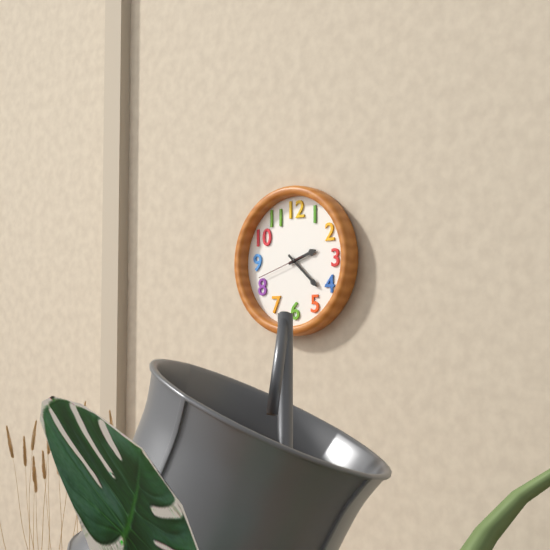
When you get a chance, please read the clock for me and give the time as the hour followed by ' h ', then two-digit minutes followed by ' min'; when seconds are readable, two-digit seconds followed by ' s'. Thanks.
2 h 22 min 42 s
